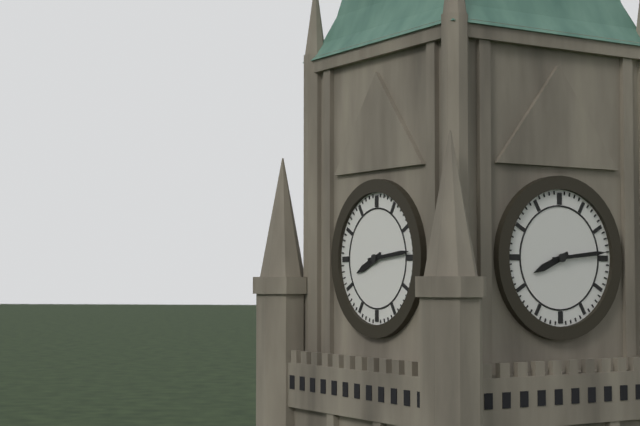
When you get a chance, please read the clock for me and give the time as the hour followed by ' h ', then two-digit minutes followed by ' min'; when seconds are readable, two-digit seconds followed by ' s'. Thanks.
8 h 14 min
